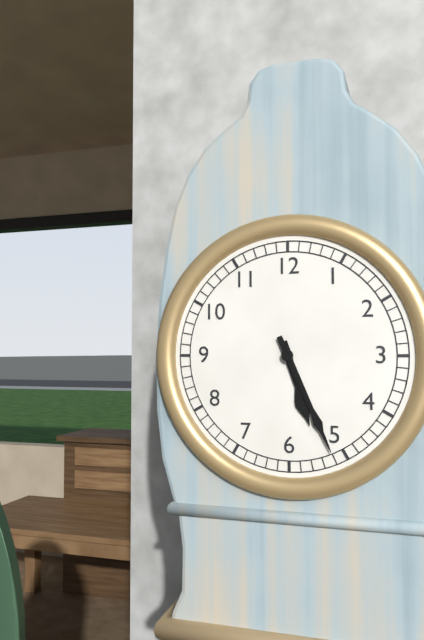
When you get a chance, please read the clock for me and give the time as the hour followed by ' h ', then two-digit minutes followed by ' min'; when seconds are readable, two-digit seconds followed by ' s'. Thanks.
5 h 26 min
